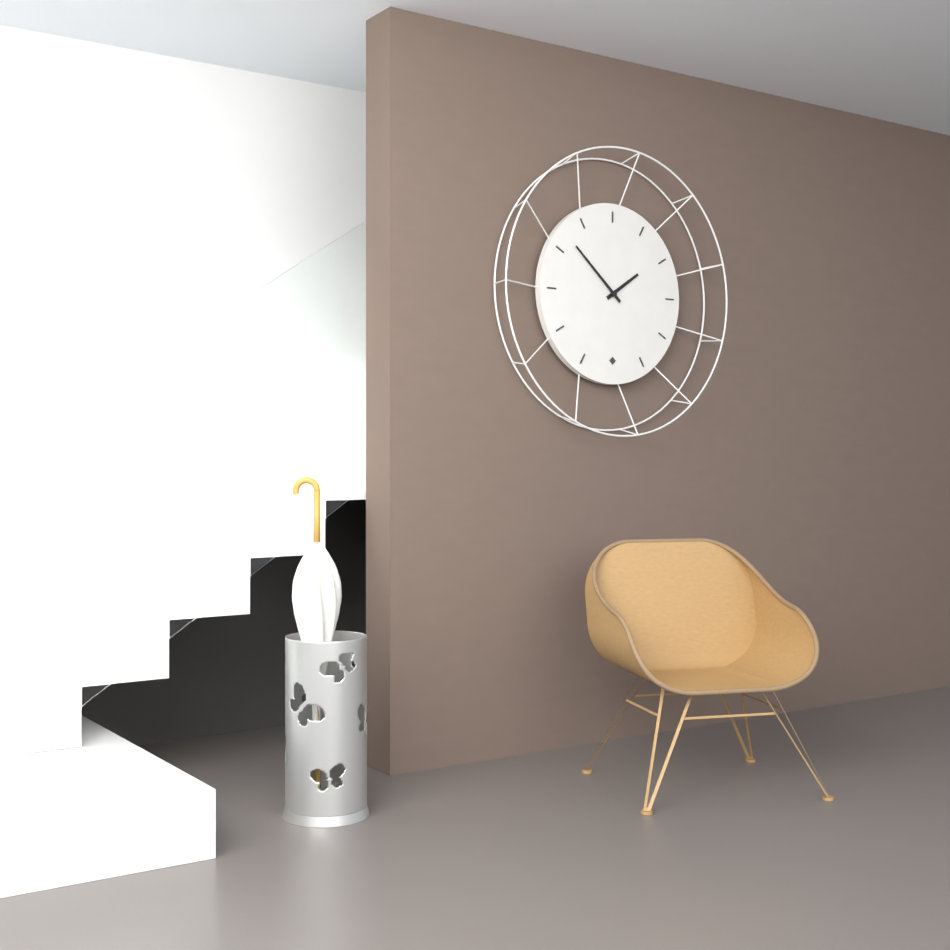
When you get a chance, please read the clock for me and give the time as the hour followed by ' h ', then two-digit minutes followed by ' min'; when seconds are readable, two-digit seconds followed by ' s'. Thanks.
1 h 52 min
